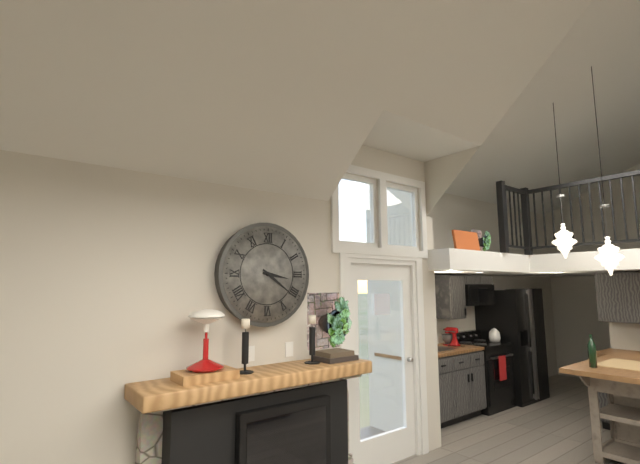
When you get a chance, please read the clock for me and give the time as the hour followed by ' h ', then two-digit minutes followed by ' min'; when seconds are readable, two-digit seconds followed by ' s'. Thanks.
3 h 21 min
